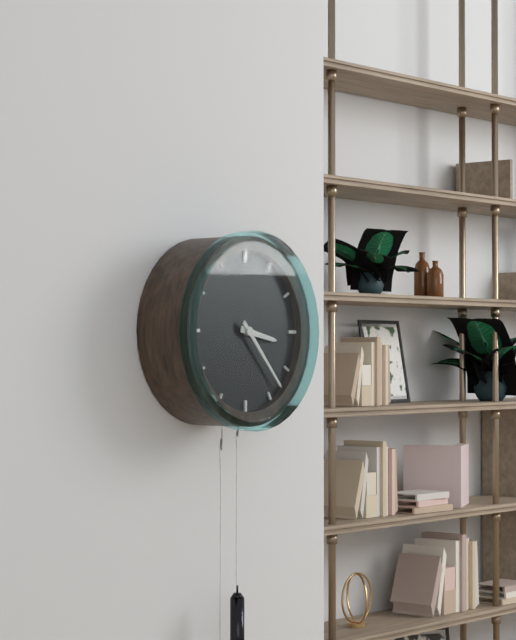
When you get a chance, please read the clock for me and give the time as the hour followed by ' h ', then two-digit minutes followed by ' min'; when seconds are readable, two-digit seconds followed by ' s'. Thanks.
3 h 23 min
